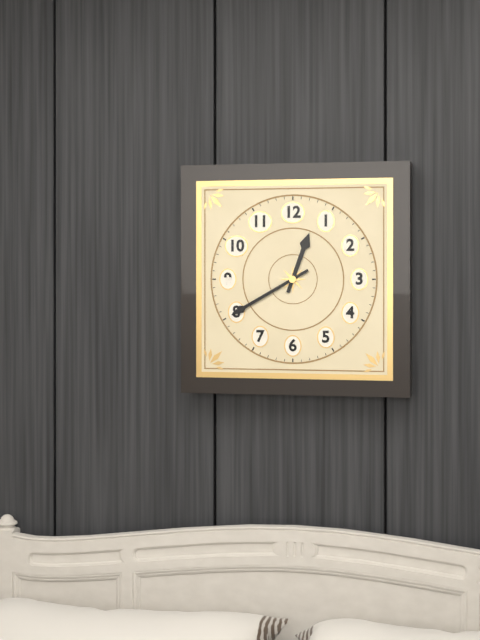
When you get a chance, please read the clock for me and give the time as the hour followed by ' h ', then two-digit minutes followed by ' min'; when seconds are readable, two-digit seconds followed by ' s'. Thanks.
12 h 40 min
